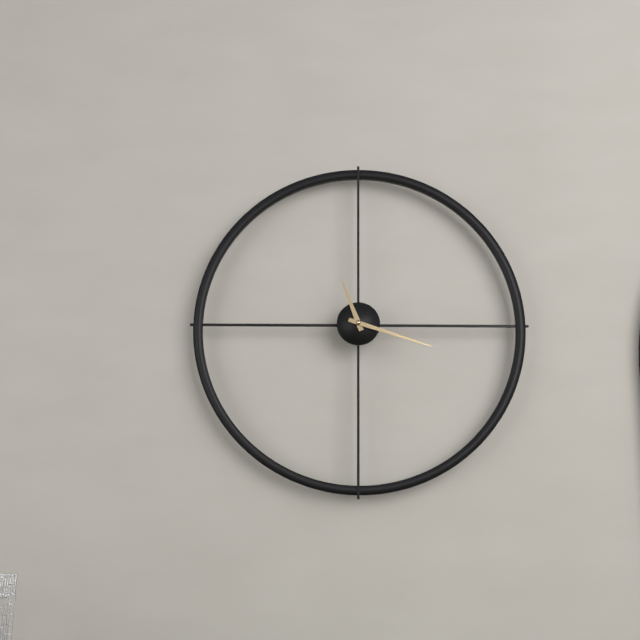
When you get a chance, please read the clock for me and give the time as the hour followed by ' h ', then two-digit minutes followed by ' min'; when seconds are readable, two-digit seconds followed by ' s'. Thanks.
11 h 18 min
